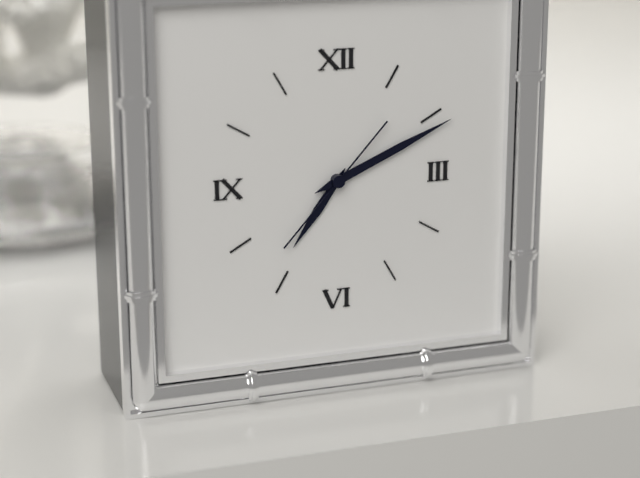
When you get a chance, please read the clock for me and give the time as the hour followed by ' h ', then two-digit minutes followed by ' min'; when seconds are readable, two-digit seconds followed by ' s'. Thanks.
7 h 11 min 37 s
